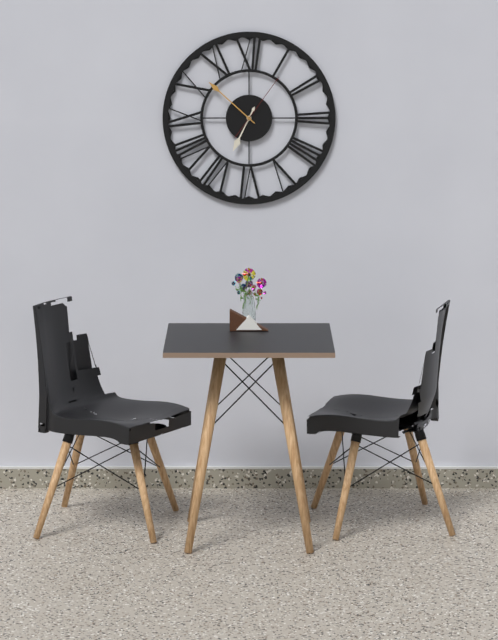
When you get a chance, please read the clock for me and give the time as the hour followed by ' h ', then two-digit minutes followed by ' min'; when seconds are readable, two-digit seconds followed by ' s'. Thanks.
6 h 52 min 06 s
